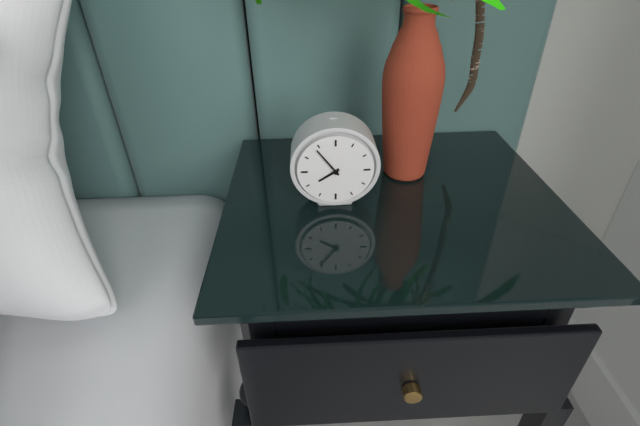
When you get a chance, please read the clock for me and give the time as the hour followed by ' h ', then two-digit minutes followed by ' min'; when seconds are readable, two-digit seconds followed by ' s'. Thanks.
7 h 54 min
